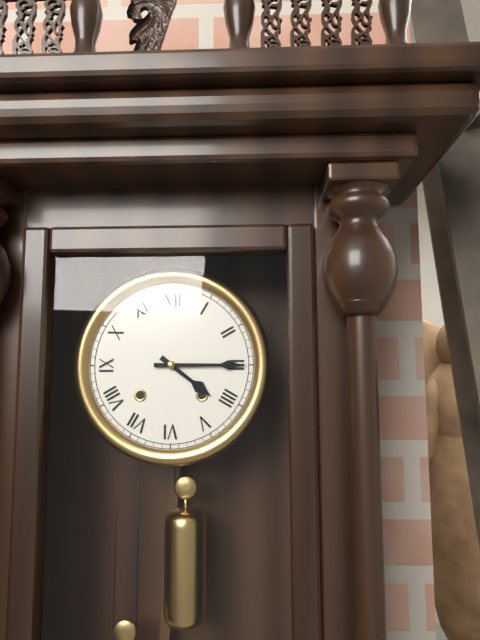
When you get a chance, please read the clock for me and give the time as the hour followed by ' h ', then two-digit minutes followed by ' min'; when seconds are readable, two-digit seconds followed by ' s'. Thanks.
4 h 15 min
